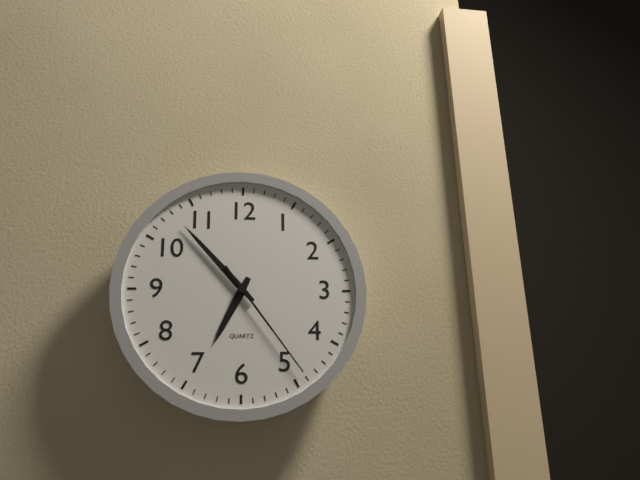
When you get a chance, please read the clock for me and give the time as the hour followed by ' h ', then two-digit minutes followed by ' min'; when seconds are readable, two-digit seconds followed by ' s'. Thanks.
6 h 53 min 24 s
